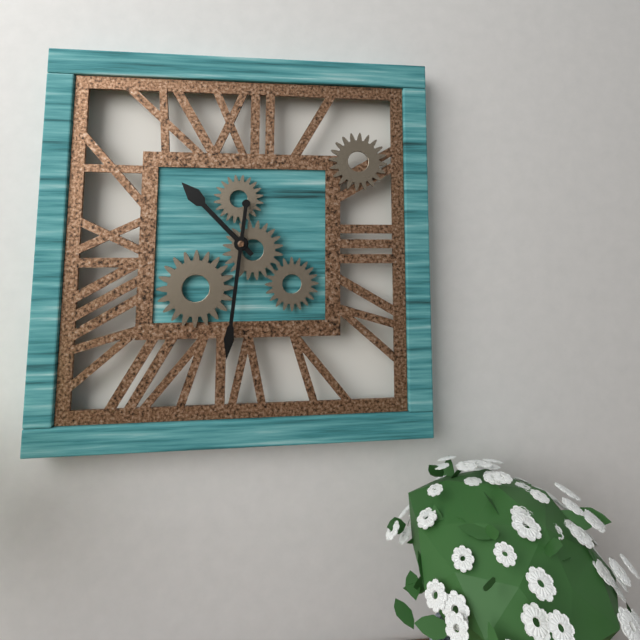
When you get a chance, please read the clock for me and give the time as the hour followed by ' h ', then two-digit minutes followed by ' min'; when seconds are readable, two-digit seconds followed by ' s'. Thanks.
10 h 31 min
